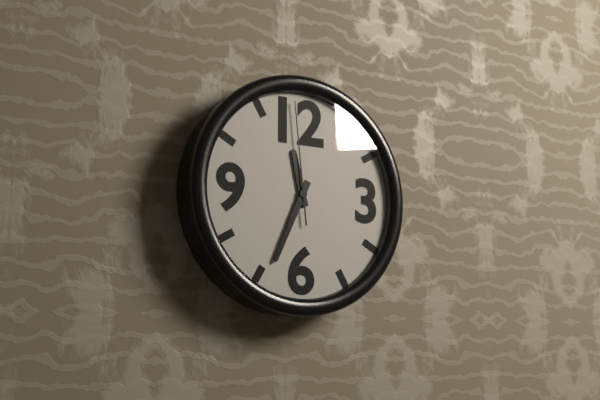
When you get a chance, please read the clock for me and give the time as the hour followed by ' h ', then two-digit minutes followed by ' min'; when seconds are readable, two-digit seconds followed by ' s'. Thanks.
11 h 34 min 59 s
